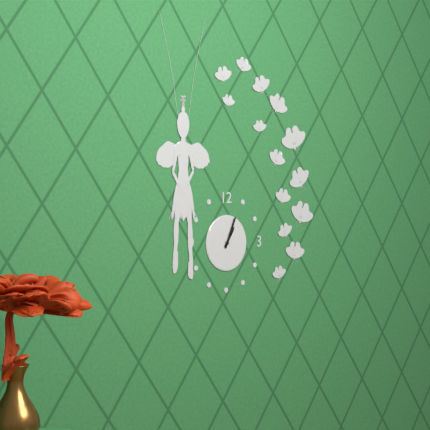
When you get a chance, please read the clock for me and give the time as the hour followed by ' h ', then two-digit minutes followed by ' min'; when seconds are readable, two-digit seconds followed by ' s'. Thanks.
1 h 04 min
